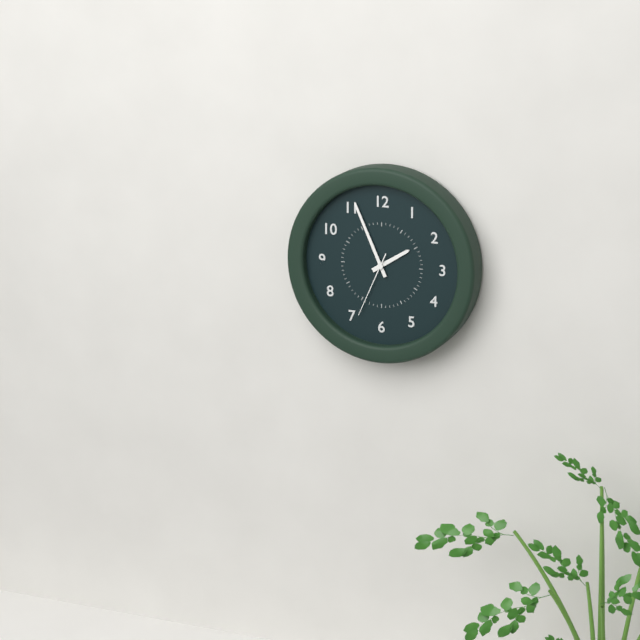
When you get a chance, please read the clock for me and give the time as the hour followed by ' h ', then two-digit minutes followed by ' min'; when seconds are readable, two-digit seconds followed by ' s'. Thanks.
1 h 56 min 34 s
